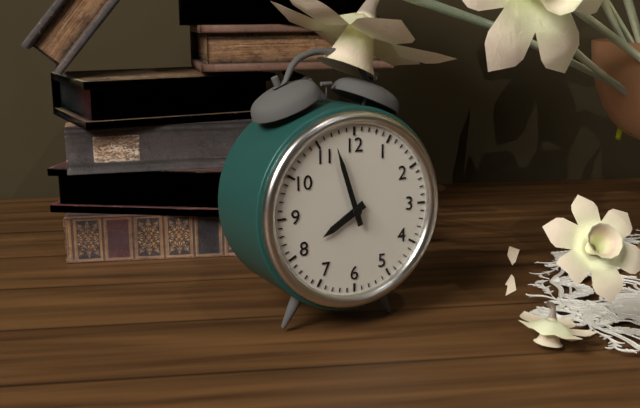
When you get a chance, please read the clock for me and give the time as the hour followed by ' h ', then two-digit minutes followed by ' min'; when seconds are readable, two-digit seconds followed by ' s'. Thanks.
7 h 57 min
